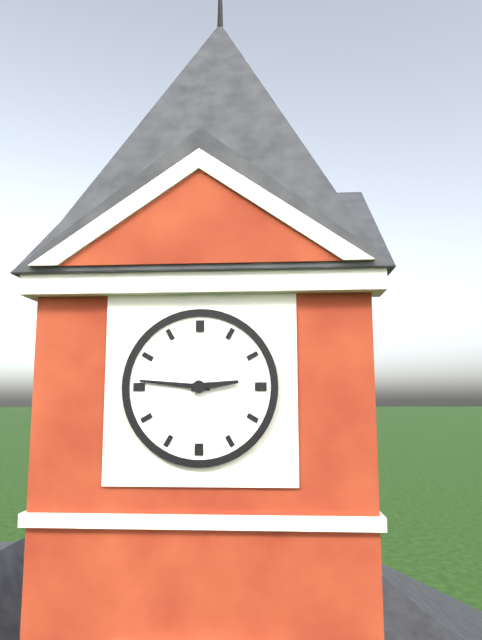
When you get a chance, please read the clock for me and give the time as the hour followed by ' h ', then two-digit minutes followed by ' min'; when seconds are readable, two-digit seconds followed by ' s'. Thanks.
2 h 46 min
